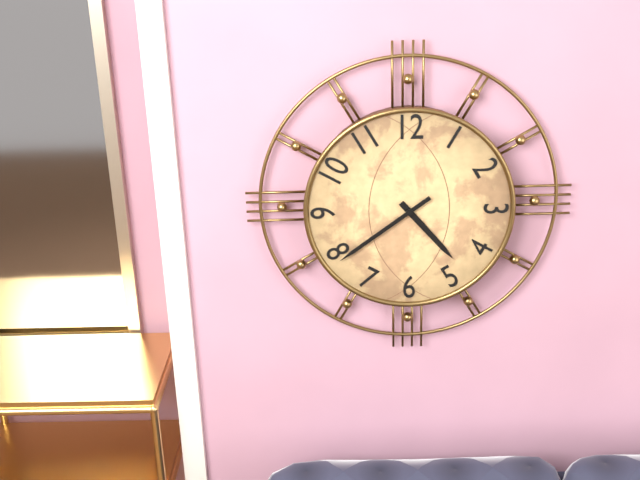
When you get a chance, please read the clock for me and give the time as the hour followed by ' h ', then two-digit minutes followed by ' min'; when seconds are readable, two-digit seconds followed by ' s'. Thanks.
4 h 39 min
